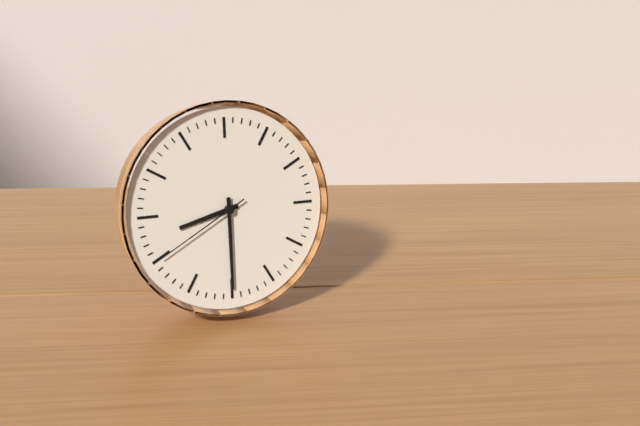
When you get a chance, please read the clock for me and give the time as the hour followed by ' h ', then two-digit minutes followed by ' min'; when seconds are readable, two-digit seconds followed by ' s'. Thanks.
8 h 30 min 40 s
